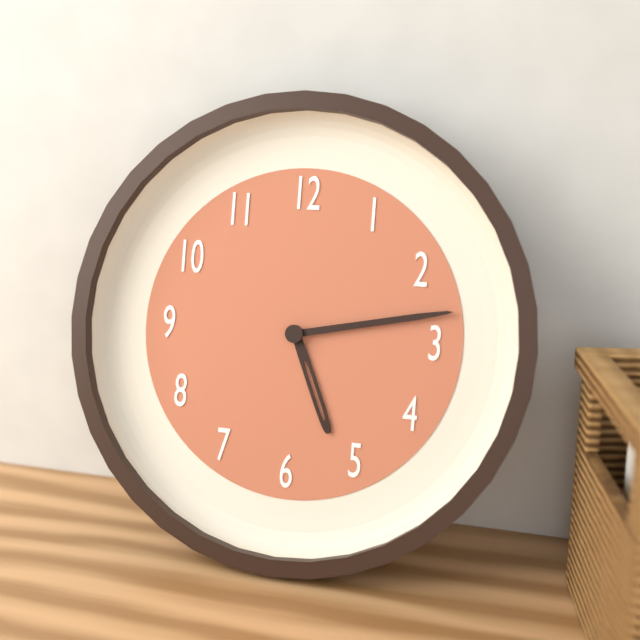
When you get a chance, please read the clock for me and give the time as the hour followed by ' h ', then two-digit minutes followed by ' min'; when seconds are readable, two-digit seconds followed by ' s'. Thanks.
5 h 13 min
